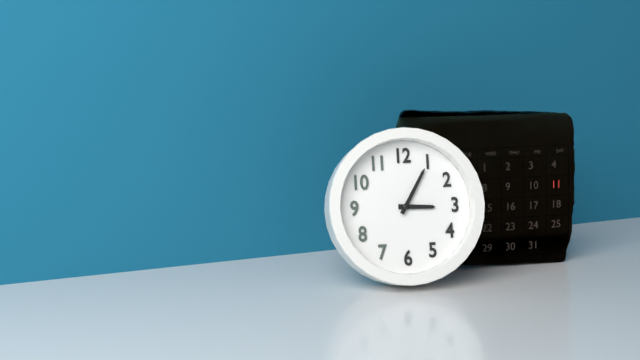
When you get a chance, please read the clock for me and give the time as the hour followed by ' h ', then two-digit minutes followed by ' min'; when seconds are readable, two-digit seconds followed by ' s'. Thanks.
3 h 05 min
